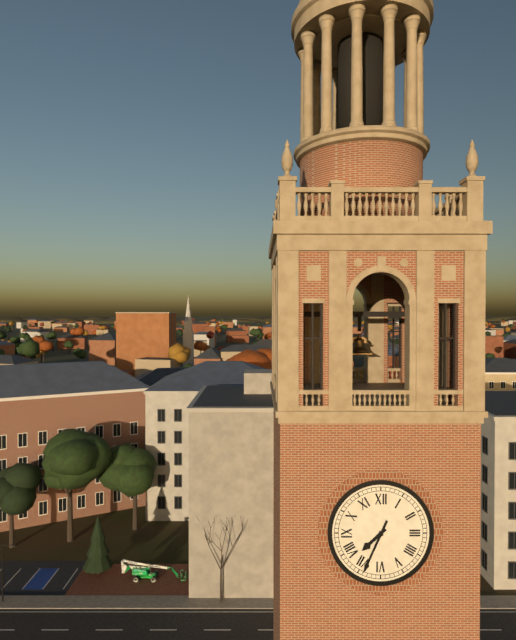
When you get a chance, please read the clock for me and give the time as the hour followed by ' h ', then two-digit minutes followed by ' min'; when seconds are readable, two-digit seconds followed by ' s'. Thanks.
7 h 34 min
